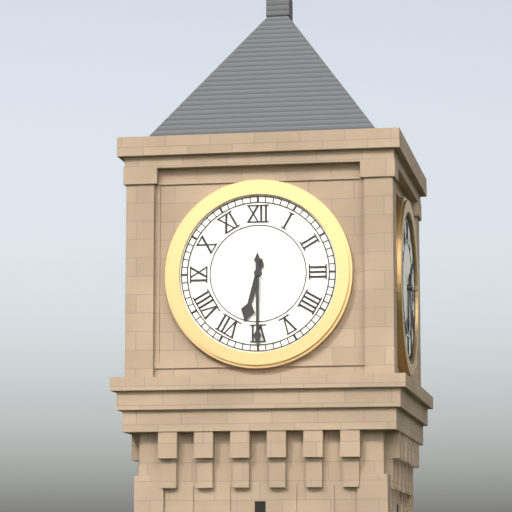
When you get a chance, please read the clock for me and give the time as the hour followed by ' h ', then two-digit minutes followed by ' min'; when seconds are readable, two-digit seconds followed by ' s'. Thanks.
6 h 30 min
